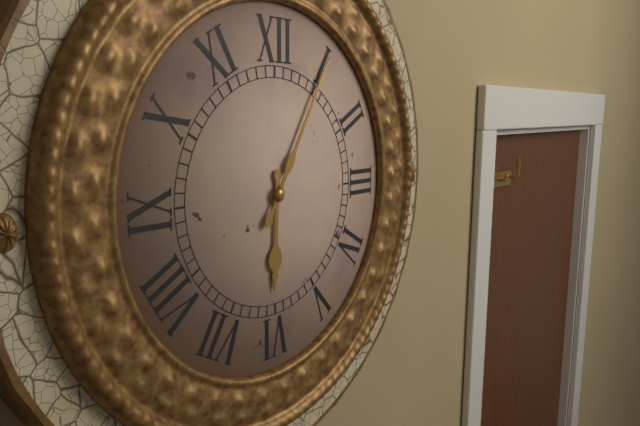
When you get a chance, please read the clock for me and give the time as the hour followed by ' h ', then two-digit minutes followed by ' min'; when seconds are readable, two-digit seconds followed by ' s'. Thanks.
6 h 05 min
